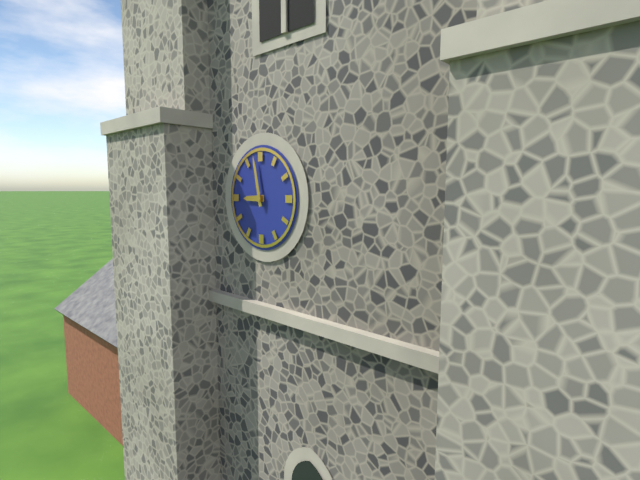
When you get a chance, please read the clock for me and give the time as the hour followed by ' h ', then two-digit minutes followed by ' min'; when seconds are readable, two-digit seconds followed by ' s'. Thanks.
8 h 58 min
